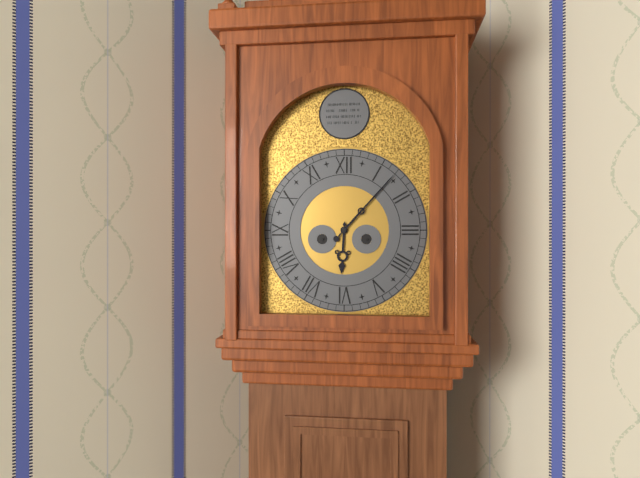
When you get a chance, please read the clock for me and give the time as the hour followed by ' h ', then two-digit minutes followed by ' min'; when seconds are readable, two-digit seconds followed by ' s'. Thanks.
6 h 07 min
